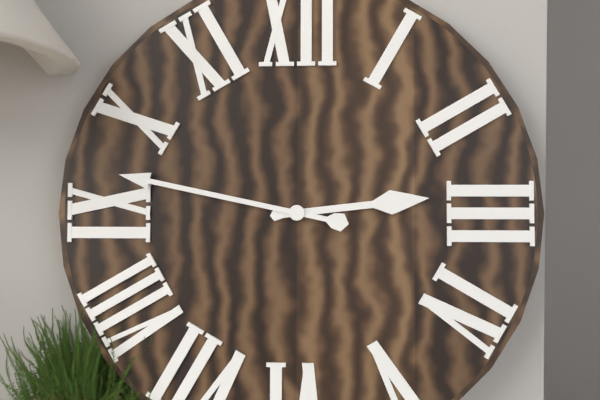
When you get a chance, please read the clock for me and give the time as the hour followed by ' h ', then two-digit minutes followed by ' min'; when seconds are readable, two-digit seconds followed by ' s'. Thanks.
2 h 47 min
